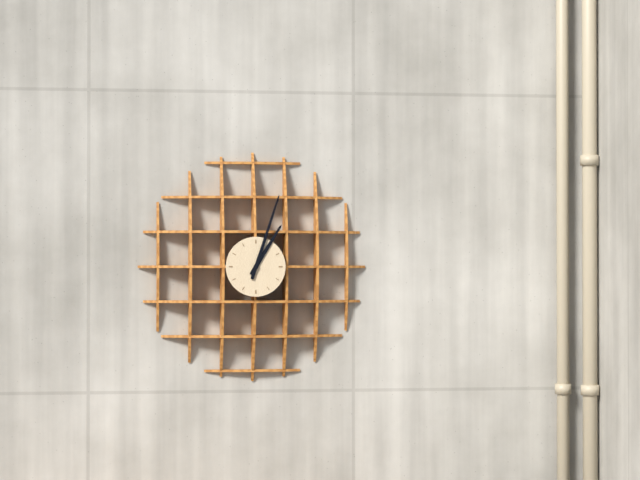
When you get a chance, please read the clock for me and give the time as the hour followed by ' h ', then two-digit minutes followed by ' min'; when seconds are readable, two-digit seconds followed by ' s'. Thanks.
1 h 03 min
